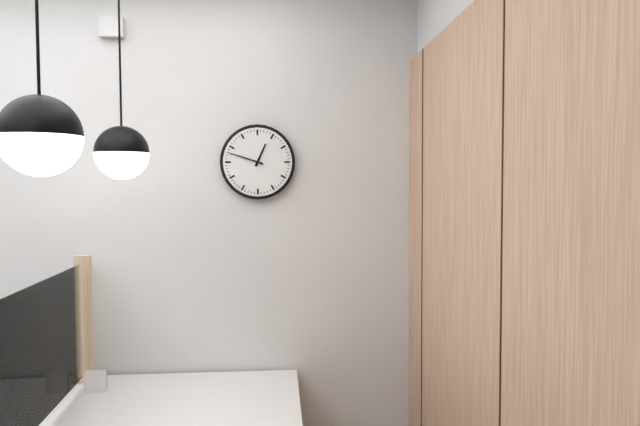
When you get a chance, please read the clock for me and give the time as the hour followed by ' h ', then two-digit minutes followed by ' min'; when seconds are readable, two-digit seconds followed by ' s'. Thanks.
12 h 48 min
